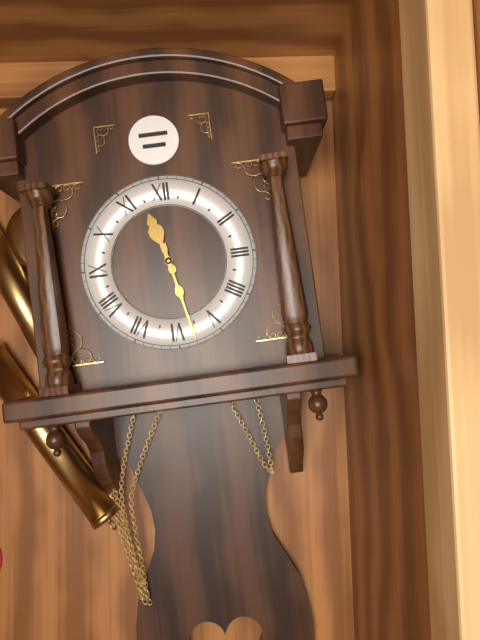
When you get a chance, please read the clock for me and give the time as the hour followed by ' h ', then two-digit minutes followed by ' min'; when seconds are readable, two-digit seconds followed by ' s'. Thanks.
11 h 28 min
